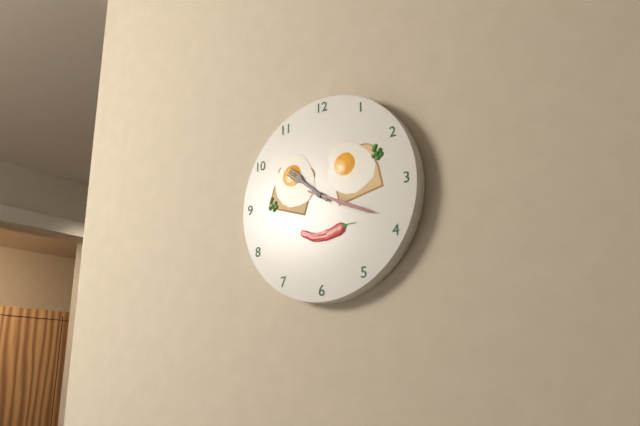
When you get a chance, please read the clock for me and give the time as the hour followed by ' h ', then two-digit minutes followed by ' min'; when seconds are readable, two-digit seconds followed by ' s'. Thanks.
10 h 19 min
